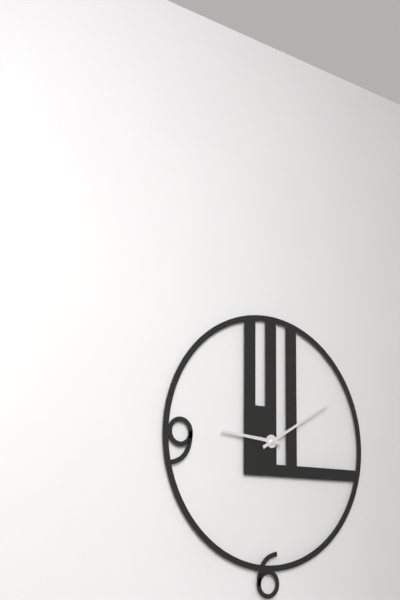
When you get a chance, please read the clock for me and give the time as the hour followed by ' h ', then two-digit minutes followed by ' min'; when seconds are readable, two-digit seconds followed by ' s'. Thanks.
9 h 10 min
